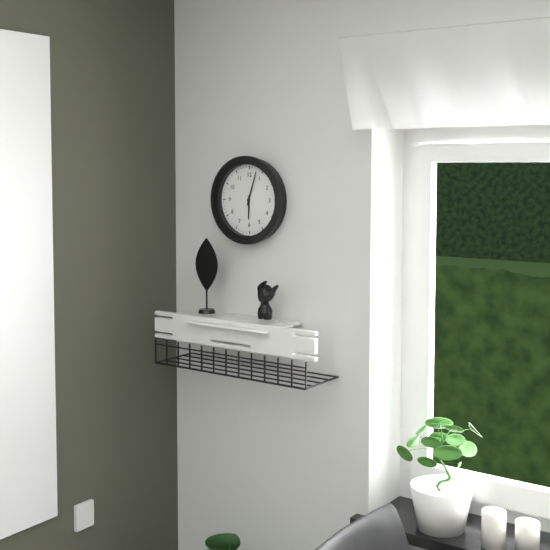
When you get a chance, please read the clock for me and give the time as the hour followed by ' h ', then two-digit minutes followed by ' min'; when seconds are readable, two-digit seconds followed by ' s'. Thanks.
6 h 03 min
